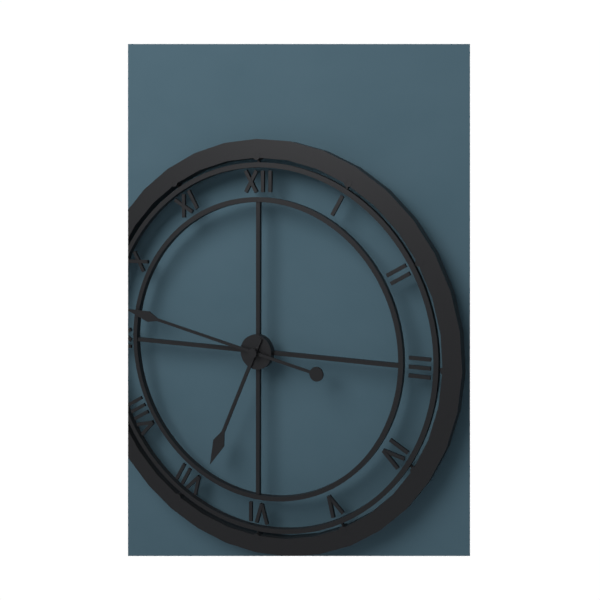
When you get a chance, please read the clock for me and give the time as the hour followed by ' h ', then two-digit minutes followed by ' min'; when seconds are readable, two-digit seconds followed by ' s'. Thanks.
6 h 47 min
